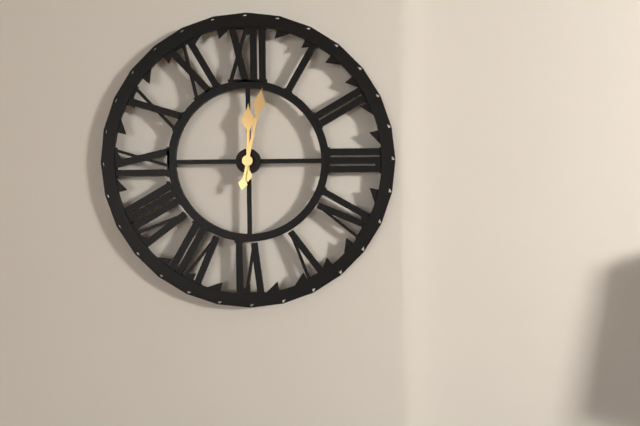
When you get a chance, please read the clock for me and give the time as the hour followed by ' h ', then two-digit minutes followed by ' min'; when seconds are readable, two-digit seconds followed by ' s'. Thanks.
12 h 02 min
